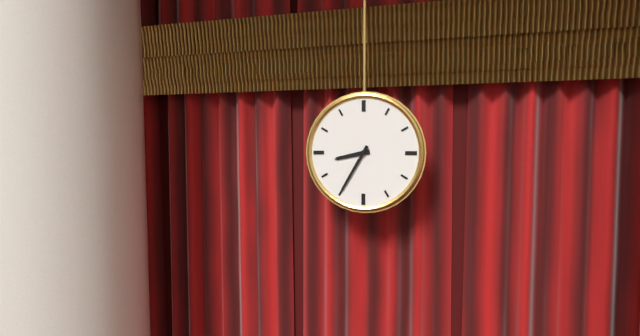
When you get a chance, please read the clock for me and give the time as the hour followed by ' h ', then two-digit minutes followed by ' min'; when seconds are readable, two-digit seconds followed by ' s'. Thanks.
8 h 35 min
